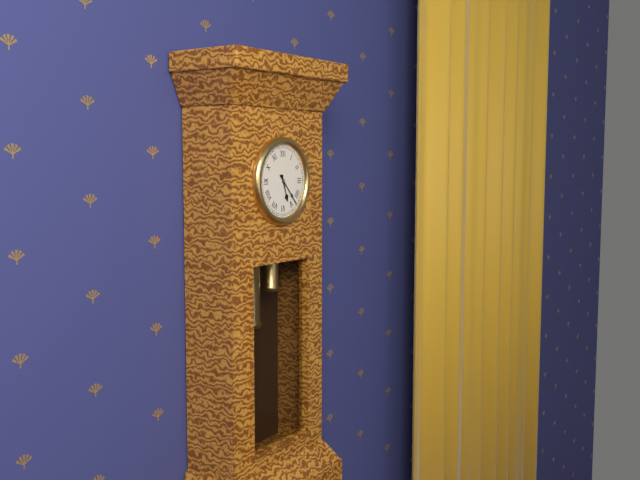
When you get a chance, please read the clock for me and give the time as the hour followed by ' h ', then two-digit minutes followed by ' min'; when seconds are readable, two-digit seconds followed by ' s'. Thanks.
5 h 23 min
